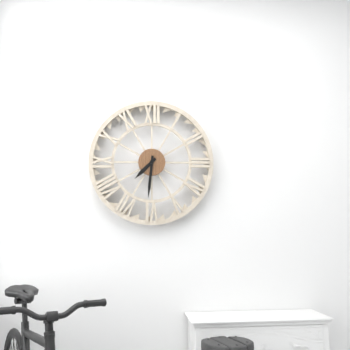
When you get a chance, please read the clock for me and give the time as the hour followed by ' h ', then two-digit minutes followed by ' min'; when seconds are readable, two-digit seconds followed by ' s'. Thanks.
7 h 31 min
